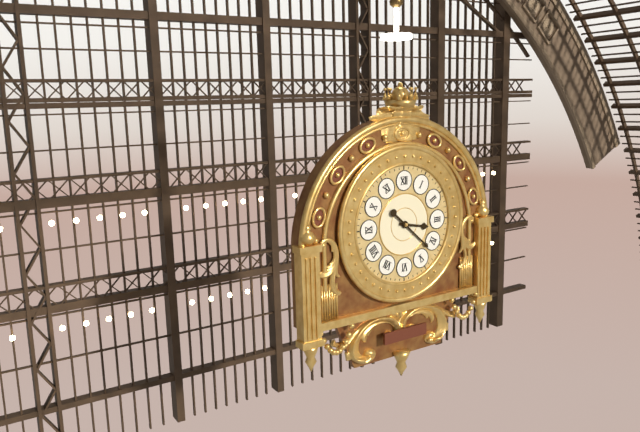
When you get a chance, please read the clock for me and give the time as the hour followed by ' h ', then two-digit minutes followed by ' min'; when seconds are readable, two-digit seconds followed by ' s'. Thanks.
3 h 22 min
